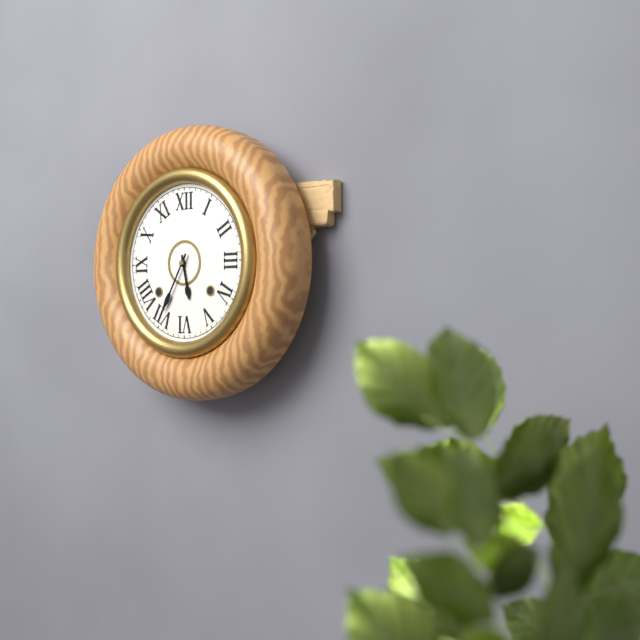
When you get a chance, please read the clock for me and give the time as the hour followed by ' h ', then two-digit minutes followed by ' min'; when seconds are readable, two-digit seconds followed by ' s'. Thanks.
5 h 35 min
